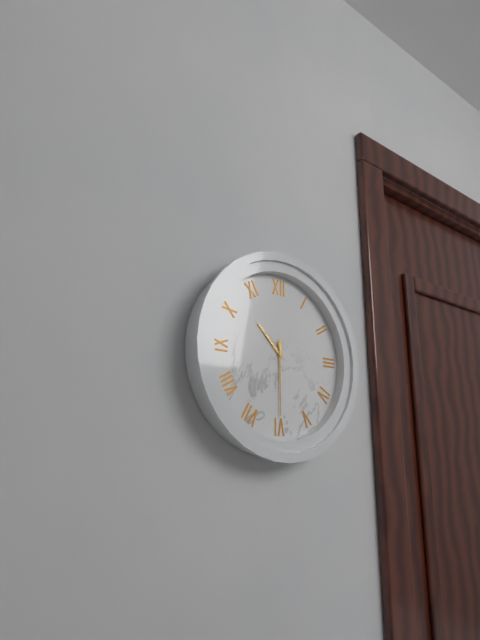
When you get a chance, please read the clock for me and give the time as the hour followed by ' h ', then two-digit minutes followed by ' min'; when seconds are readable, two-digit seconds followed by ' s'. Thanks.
10 h 30 min
